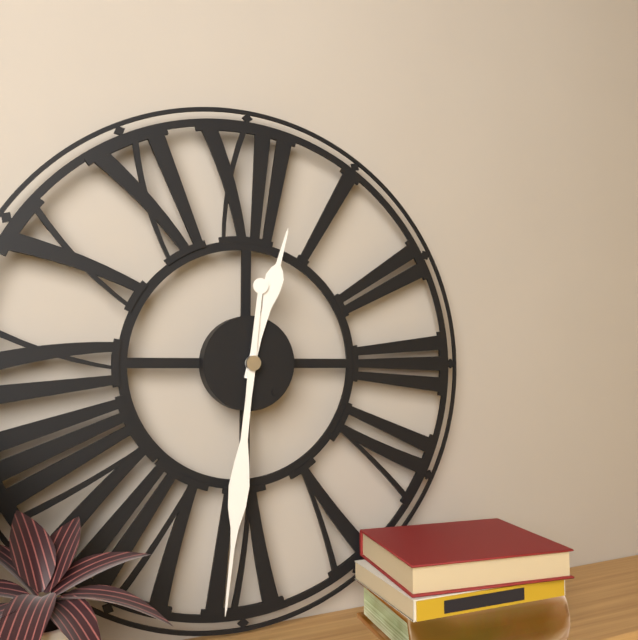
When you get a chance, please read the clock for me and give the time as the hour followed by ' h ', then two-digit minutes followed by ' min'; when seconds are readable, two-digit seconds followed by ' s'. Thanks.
12 h 31 min
